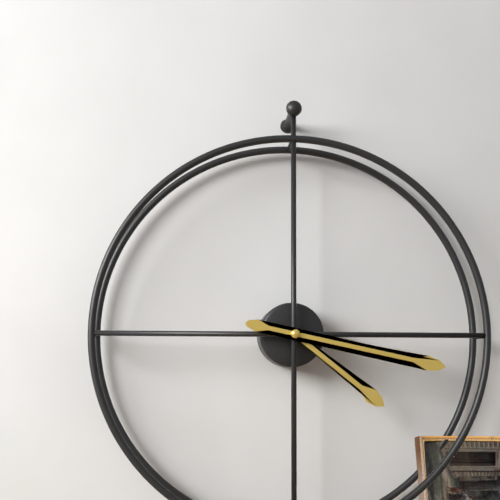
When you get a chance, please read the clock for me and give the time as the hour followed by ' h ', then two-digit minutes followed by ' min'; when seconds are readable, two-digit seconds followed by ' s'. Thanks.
4 h 17 min
